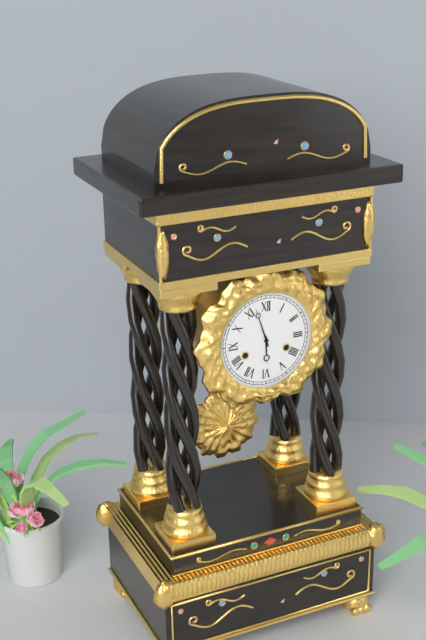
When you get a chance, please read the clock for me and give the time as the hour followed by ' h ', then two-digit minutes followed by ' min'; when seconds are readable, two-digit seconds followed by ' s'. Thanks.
5 h 57 min
